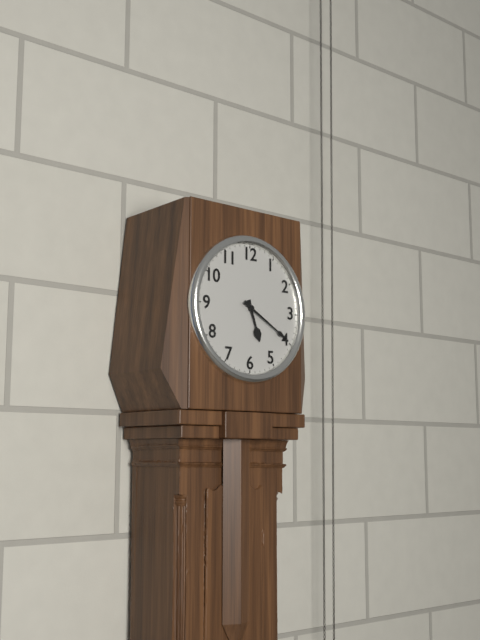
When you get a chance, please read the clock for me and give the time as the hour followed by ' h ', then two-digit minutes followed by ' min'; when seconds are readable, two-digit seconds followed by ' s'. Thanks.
5 h 20 min
